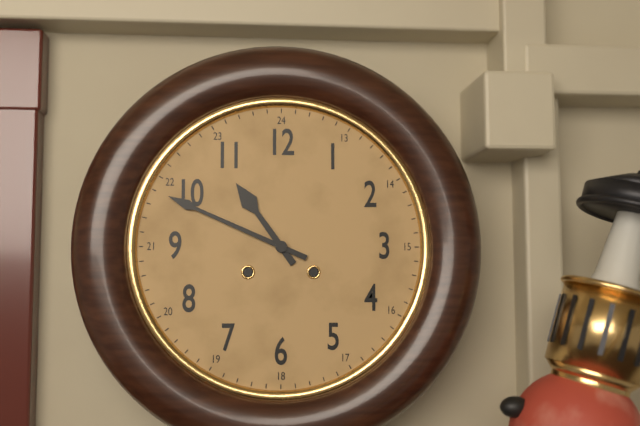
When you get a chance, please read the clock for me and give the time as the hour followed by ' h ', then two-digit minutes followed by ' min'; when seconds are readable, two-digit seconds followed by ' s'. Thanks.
10 h 49 min
